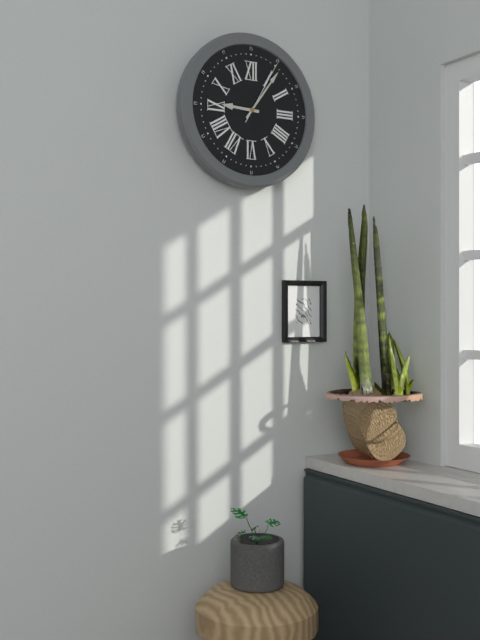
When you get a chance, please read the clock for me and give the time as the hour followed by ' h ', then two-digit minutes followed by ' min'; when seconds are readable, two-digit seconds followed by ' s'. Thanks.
9 h 06 min 05 s
